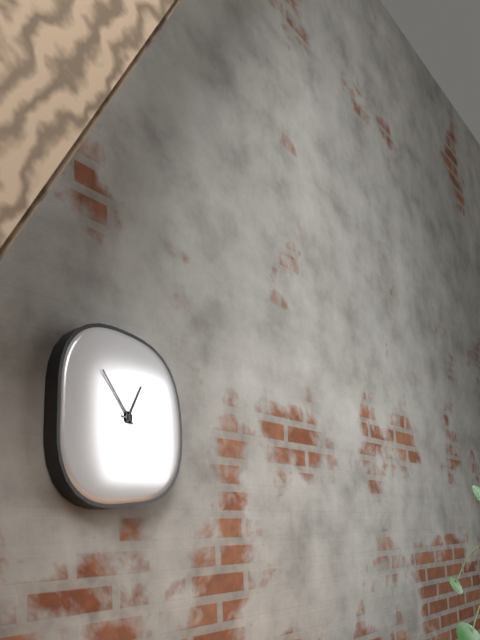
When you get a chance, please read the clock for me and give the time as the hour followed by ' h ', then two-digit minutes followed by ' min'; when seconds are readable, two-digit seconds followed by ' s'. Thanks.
12 h 54 min
